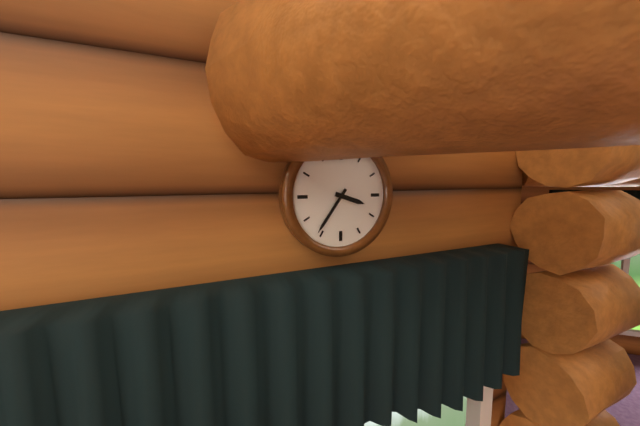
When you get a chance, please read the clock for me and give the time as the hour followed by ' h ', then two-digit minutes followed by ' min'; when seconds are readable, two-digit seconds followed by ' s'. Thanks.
3 h 36 min
